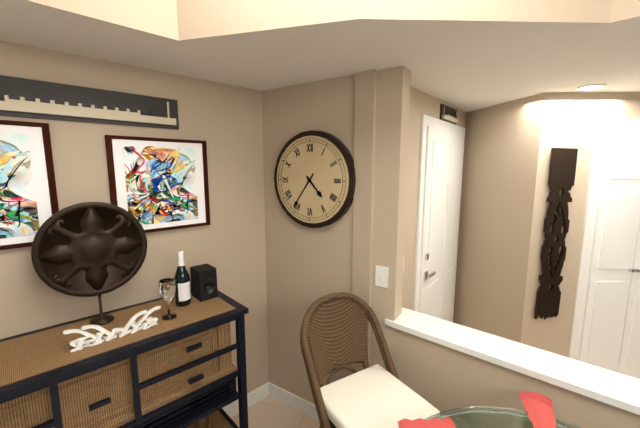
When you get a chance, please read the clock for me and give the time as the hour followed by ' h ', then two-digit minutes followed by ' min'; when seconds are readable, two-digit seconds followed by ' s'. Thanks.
4 h 36 min
